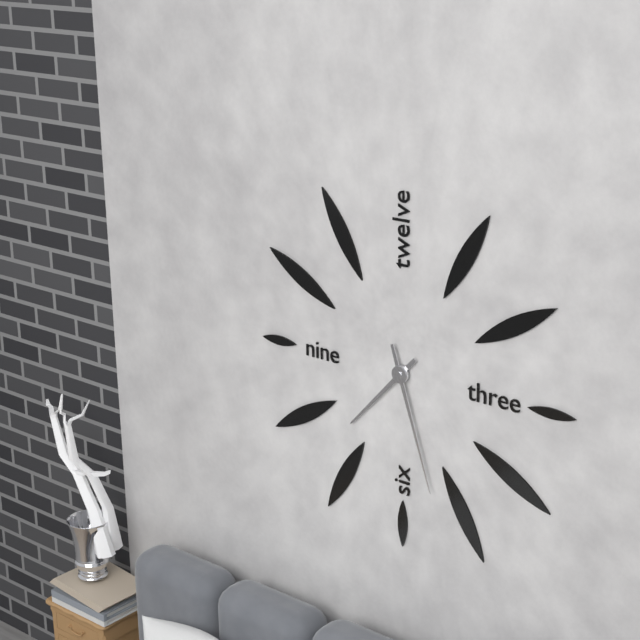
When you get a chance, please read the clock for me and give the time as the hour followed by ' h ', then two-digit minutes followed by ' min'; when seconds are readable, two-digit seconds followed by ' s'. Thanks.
7 h 27 min
